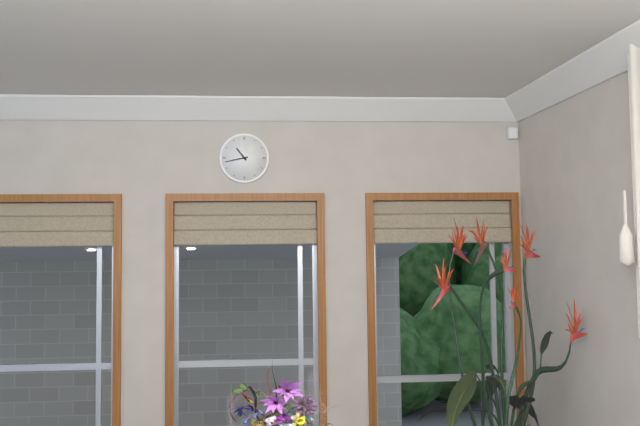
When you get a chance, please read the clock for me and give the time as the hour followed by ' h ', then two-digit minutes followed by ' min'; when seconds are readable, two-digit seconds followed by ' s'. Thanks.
10 h 43 min
